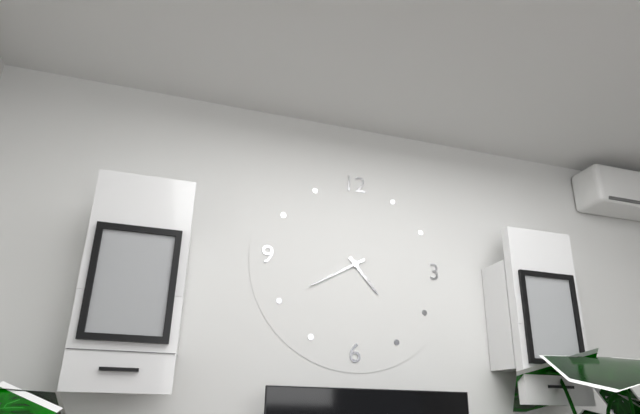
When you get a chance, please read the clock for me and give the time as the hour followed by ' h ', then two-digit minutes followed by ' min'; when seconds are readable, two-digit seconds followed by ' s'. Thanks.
4 h 40 min
